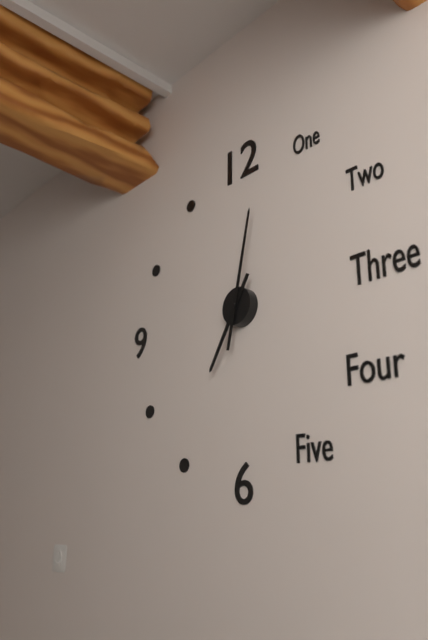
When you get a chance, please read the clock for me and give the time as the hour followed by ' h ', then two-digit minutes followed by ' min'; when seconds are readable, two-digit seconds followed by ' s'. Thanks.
7 h 02 min
